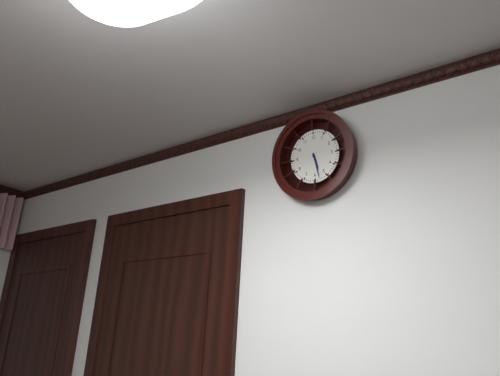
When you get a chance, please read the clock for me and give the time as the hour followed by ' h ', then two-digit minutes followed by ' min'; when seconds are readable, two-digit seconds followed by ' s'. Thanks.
5 h 28 min
